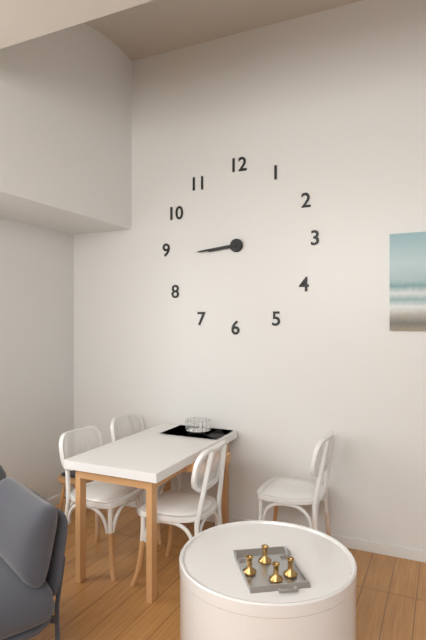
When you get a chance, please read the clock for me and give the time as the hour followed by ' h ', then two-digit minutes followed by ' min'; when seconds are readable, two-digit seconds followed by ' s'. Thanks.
8 h 44 min
